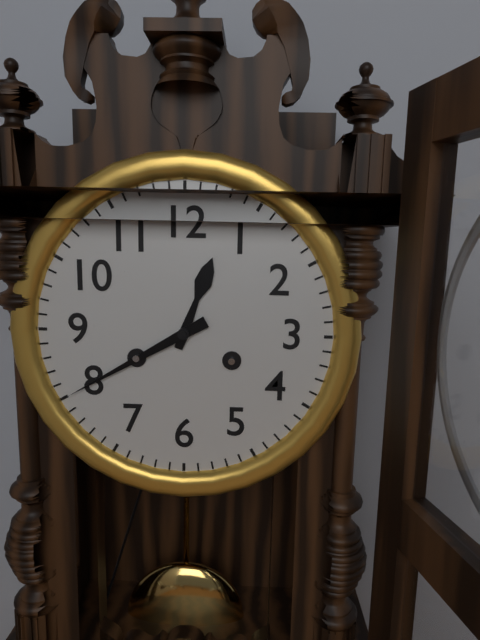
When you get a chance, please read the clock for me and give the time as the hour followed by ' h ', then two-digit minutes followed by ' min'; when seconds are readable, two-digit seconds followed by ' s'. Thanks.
12 h 40 min
